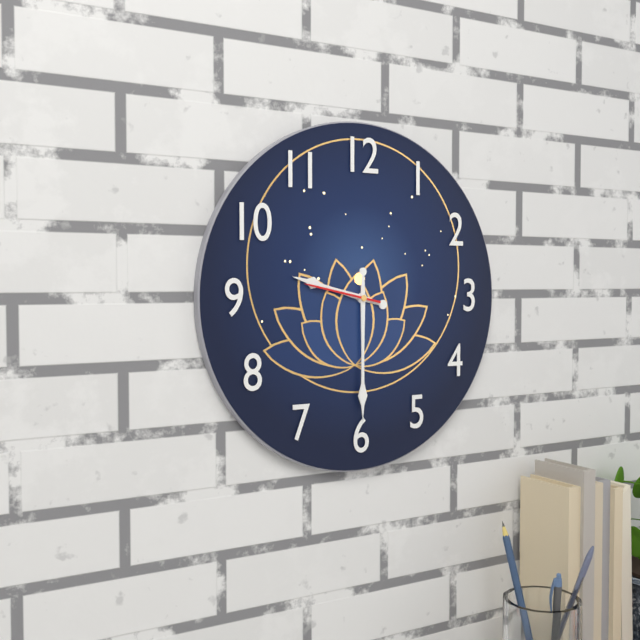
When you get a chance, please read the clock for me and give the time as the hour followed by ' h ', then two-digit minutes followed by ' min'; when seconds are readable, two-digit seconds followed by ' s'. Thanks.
9 h 30 min 47 s
